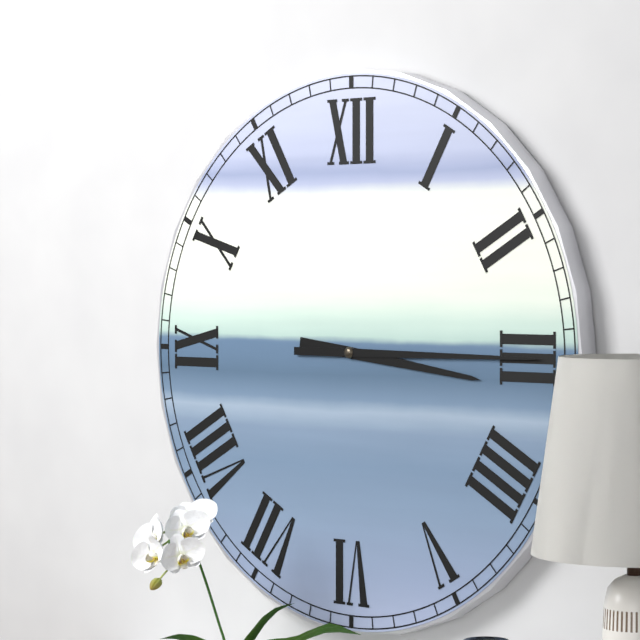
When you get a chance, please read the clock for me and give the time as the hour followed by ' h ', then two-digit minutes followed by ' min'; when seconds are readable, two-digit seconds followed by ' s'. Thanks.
3 h 15 min
